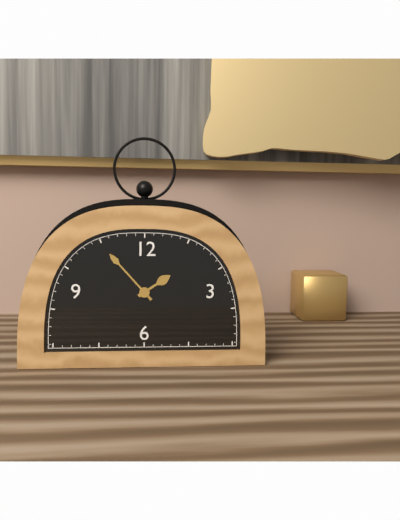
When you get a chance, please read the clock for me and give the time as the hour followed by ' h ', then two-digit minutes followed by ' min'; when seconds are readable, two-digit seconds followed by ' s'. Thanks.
1 h 53 min
